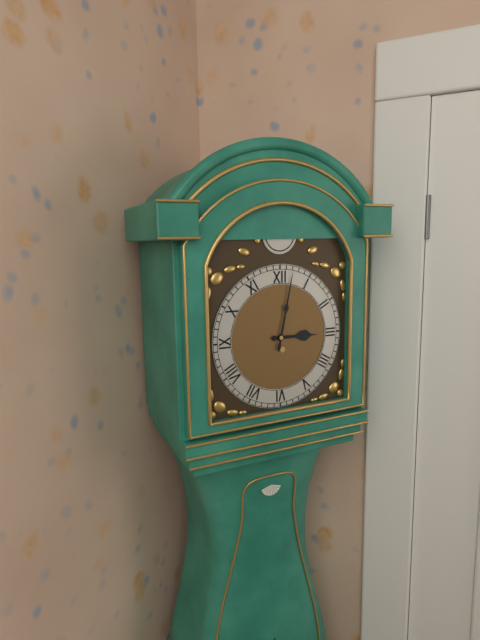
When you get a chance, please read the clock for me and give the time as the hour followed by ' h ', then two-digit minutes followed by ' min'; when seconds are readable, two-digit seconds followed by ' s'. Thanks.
3 h 02 min
